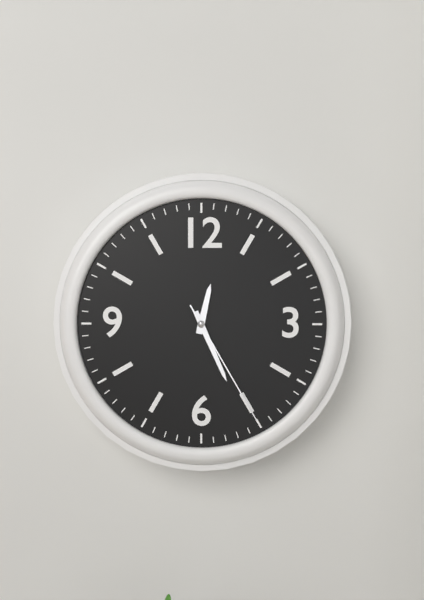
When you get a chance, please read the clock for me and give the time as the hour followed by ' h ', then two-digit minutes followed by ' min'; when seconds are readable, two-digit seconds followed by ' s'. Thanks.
12 h 26 min 25 s
